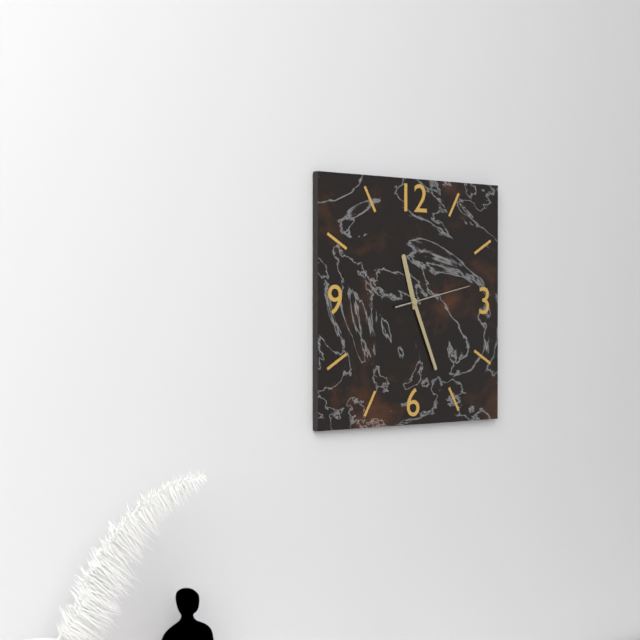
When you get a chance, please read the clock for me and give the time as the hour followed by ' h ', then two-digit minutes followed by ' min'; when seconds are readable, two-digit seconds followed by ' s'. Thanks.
11 h 26 min 13 s
